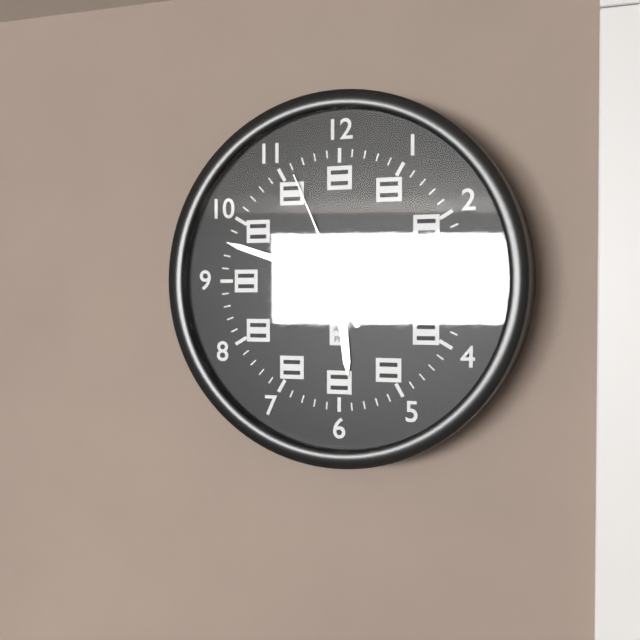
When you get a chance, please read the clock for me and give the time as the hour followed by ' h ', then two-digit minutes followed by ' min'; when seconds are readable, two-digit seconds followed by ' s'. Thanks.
5 h 48 min 56 s
